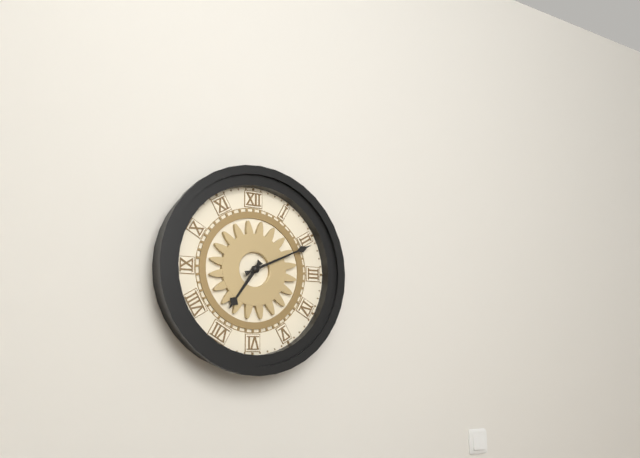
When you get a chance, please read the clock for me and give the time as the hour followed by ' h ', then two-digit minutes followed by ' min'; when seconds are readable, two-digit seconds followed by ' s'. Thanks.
7 h 11 min
